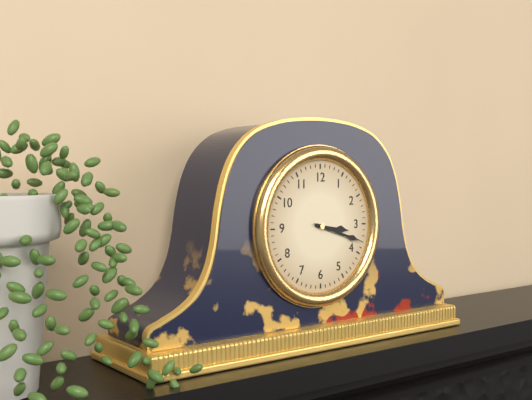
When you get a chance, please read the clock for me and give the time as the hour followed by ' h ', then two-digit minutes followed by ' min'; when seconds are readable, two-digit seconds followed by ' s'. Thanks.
3 h 18 min
